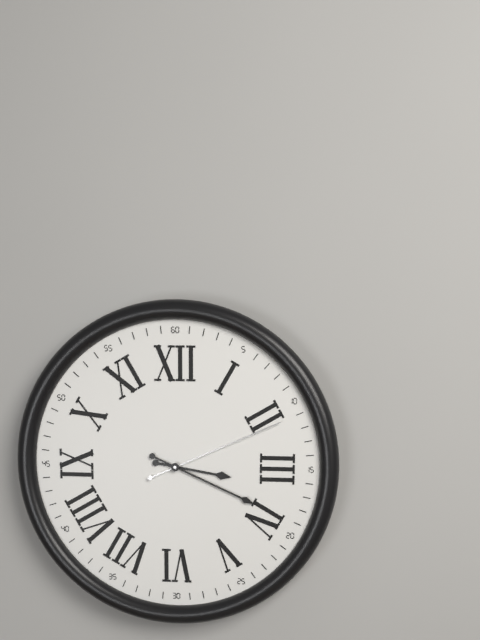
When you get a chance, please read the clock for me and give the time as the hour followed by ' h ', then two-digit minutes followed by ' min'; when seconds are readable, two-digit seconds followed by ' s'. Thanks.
3 h 19 min 11 s
